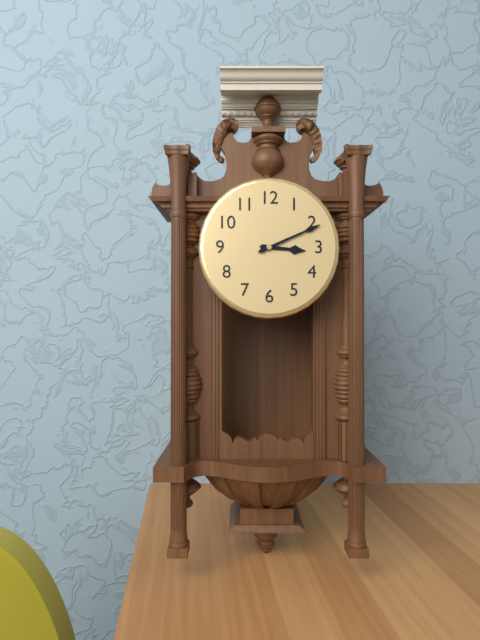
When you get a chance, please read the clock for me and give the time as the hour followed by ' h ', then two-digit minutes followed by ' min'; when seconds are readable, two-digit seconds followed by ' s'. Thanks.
3 h 11 min
